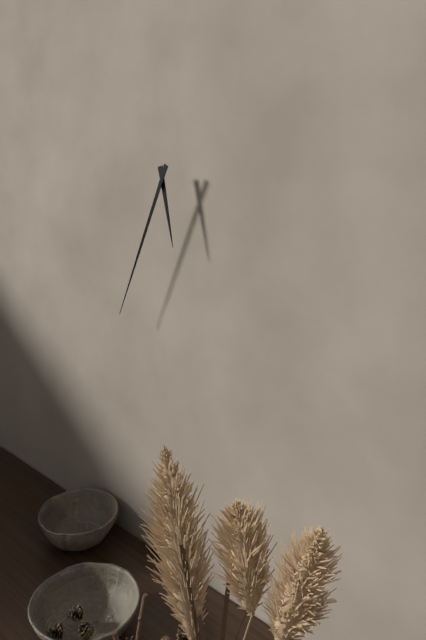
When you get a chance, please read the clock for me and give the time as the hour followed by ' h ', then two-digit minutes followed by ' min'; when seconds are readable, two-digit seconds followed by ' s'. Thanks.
5 h 34 min
